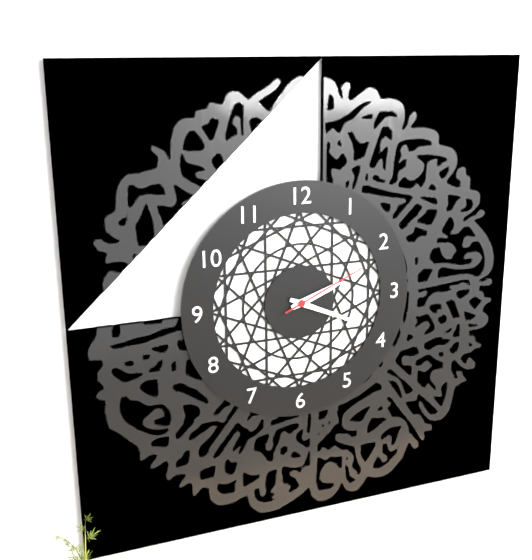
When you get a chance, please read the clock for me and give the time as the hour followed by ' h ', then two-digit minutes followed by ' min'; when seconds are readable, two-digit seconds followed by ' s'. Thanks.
2 h 19 min 11 s
